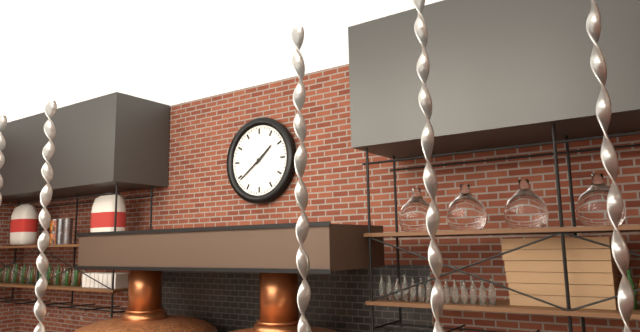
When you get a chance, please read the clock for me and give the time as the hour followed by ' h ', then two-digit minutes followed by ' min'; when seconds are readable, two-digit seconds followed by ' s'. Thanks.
1 h 39 min
